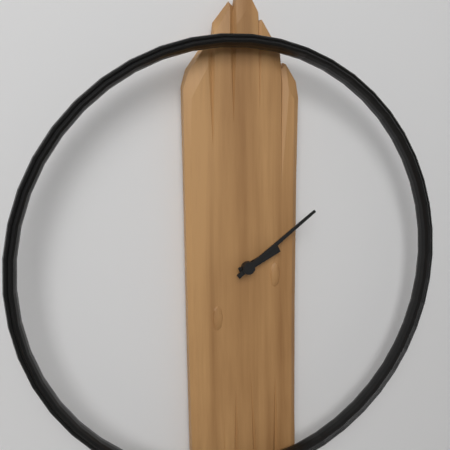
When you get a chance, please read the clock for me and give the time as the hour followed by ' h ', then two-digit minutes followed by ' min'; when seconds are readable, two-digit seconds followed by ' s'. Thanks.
2 h 09 min
